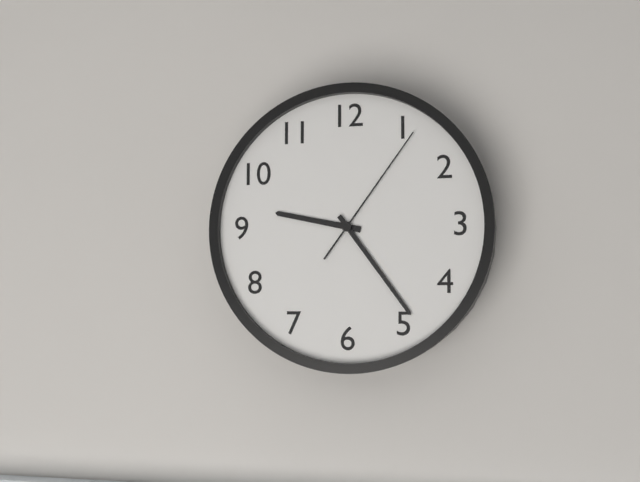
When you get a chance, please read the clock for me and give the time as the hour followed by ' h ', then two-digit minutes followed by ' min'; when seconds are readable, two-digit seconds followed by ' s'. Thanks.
9 h 24 min 06 s
